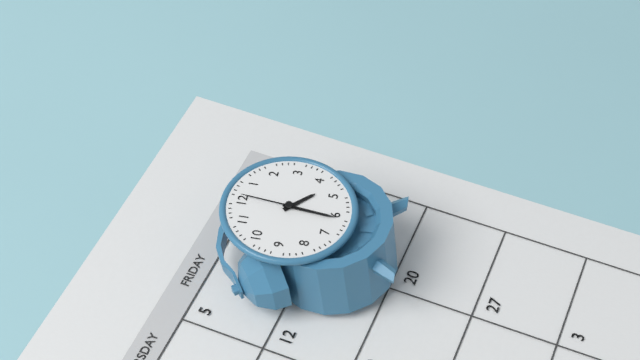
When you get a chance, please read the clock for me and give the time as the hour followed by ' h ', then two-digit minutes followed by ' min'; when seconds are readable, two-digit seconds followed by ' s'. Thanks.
4 h 31 min 01 s
